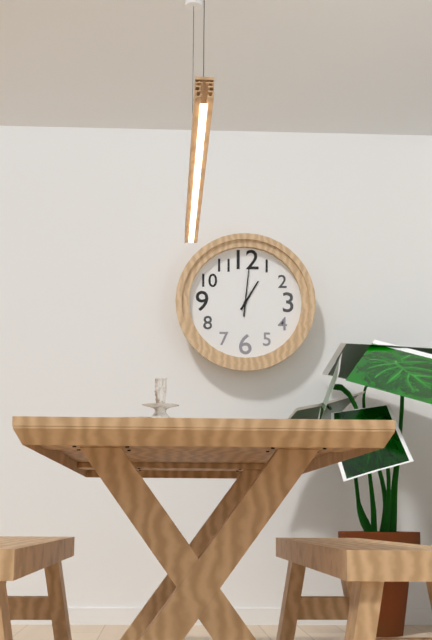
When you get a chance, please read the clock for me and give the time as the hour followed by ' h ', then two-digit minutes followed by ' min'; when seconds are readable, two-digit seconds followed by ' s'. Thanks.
1 h 01 min
